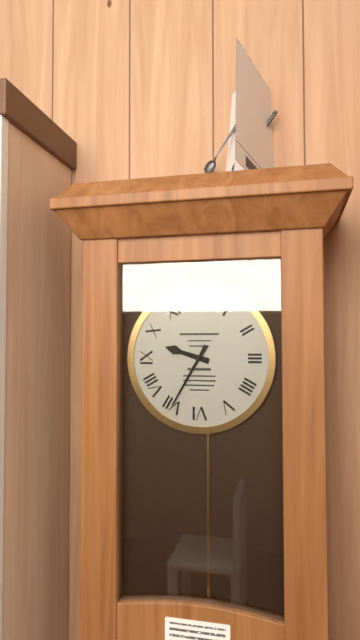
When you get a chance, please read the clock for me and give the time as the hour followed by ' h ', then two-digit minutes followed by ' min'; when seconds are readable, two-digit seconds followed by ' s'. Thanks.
9 h 35 min
